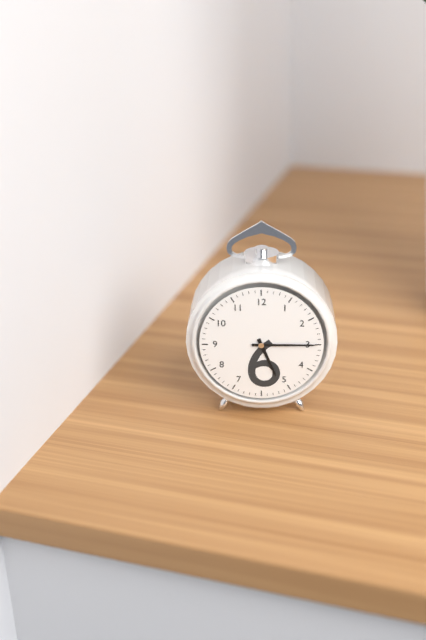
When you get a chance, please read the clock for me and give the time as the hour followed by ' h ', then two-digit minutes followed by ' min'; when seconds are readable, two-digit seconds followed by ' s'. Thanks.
5 h 15 min
